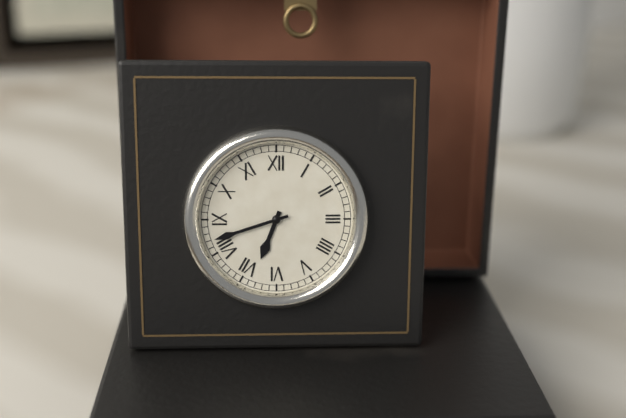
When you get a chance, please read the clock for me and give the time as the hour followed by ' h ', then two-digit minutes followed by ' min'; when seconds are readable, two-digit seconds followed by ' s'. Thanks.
6 h 42 min
